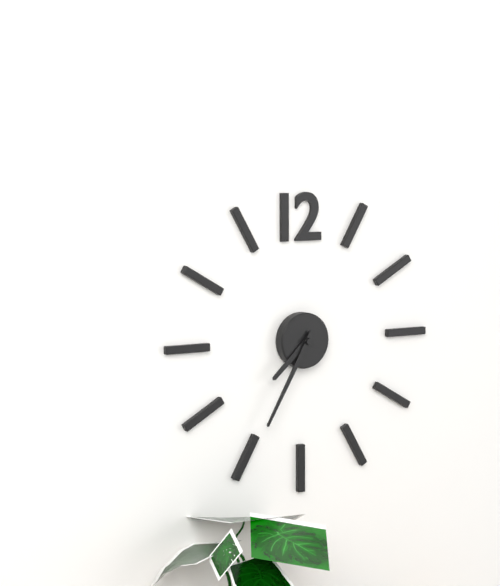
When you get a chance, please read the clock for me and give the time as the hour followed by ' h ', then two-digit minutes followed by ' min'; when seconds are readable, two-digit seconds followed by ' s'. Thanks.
7 h 35 min
